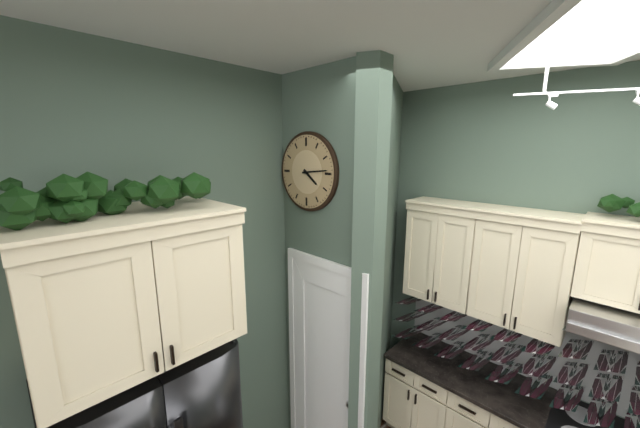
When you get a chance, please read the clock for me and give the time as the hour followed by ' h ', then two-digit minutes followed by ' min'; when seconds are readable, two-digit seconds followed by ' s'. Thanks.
4 h 14 min
